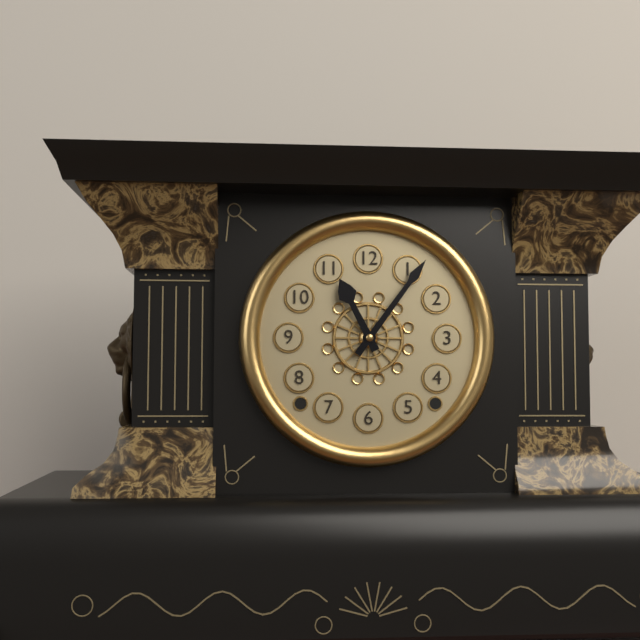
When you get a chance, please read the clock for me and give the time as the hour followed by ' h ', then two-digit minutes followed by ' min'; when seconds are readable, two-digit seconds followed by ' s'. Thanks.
11 h 06 min
